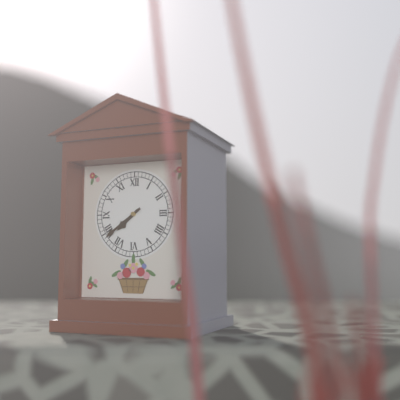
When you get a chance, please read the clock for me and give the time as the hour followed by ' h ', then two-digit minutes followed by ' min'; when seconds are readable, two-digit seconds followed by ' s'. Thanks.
7 h 39 min
